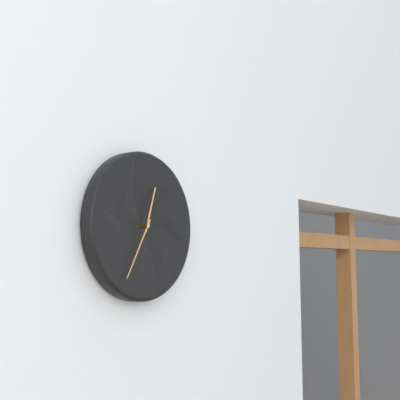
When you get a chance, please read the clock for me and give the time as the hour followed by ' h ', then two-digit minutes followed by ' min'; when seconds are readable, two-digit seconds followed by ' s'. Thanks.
12 h 35 min
